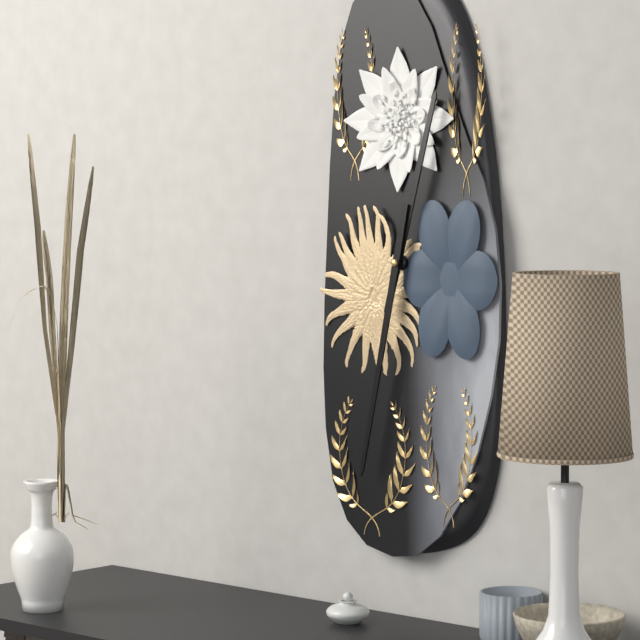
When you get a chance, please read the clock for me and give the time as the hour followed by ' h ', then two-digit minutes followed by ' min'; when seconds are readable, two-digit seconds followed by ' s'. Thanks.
12 h 32 min
